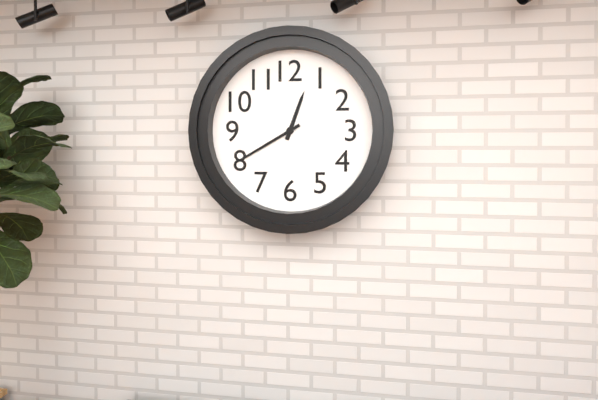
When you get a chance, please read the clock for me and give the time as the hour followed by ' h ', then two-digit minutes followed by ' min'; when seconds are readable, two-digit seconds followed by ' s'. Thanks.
12 h 40 min
